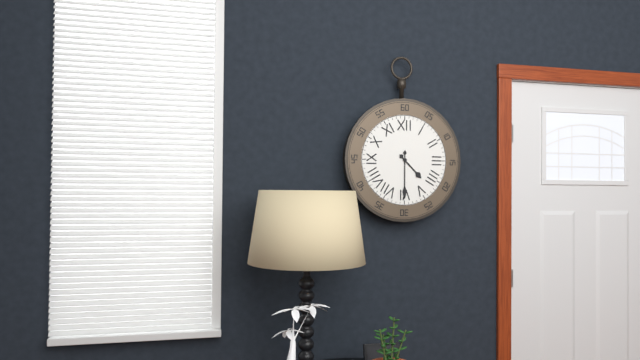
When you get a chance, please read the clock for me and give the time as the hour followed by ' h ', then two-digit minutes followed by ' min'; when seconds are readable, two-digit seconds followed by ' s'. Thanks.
4 h 30 min
